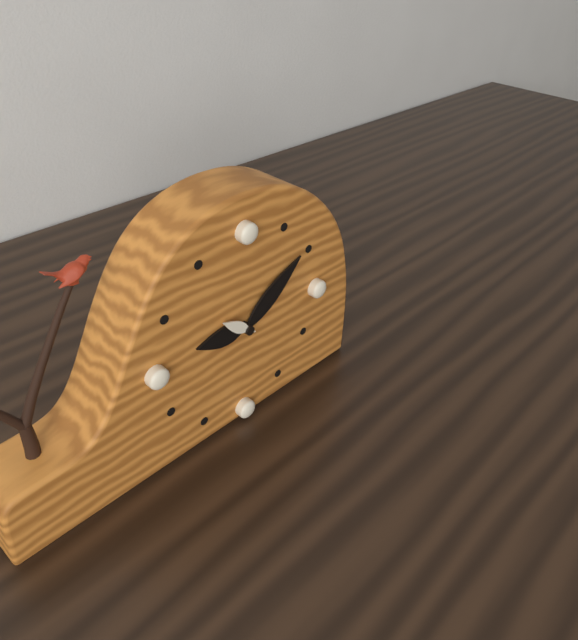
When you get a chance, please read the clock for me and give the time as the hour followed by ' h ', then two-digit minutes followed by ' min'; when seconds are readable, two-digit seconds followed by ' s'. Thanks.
9 h 09 min
